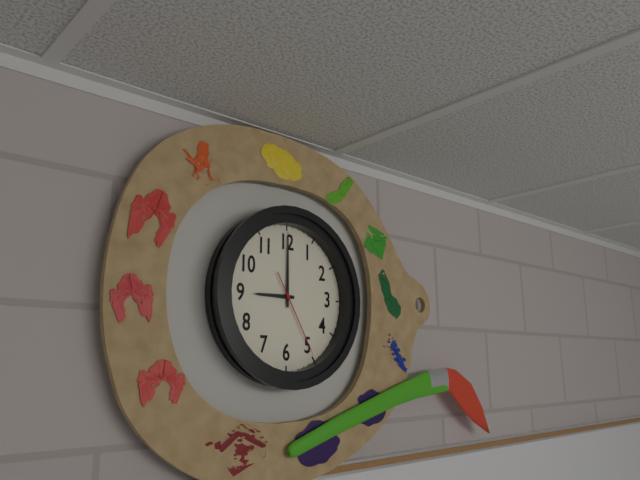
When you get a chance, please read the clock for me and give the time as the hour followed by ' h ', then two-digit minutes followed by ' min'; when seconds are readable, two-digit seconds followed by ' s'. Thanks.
9 h 00 min 25 s
